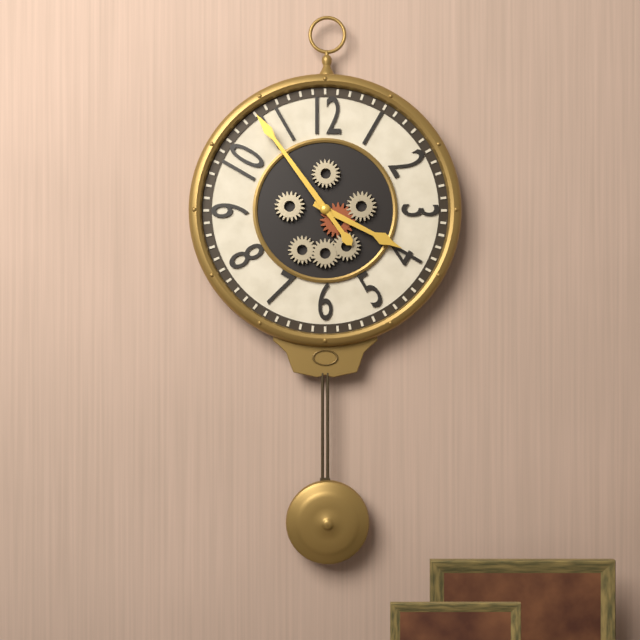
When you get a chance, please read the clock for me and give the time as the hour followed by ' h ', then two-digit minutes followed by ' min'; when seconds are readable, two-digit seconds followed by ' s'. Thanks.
3 h 54 min
